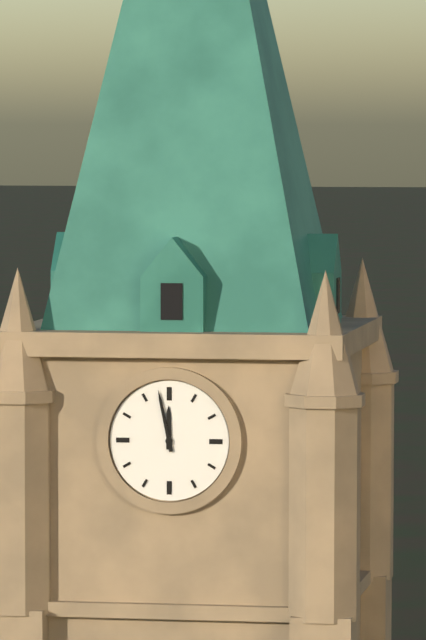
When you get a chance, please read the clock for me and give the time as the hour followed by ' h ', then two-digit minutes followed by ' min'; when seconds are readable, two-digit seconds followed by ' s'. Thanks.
11 h 58 min
